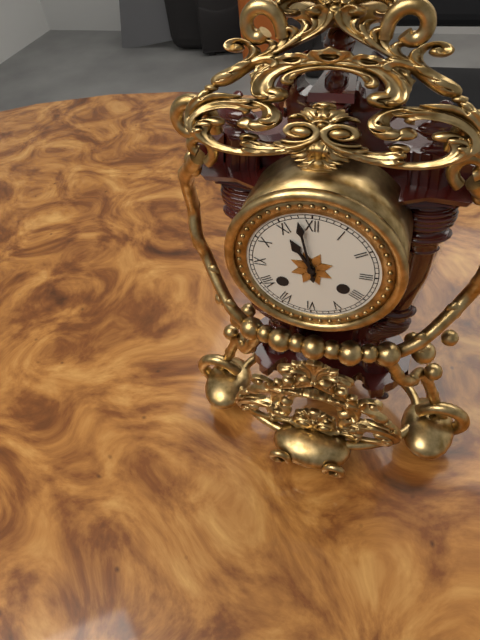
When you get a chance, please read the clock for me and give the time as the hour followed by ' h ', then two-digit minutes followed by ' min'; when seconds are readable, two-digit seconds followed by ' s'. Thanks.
10 h 58 min
